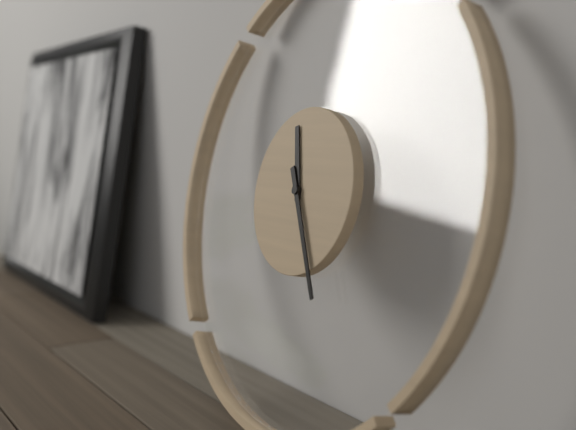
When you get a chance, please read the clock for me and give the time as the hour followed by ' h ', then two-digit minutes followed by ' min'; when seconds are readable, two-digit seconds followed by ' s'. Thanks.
11 h 25 min
